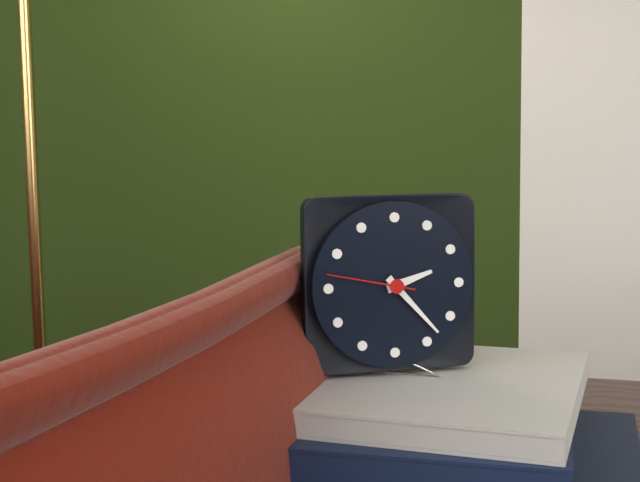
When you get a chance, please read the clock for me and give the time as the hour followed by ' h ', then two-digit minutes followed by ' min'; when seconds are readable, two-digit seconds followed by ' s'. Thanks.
2 h 23 min 47 s
